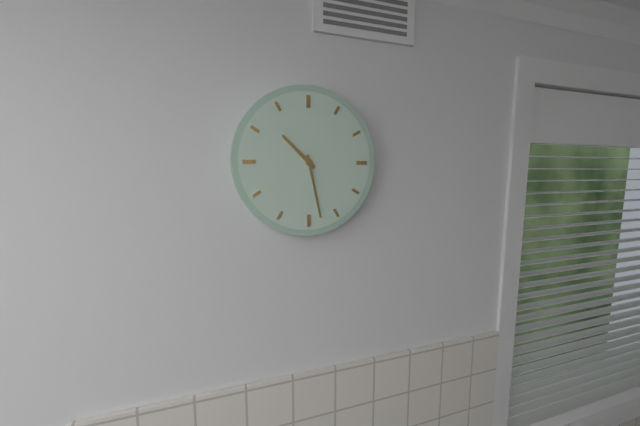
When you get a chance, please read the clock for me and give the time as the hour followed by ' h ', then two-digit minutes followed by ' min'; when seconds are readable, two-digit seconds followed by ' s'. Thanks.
10 h 28 min
